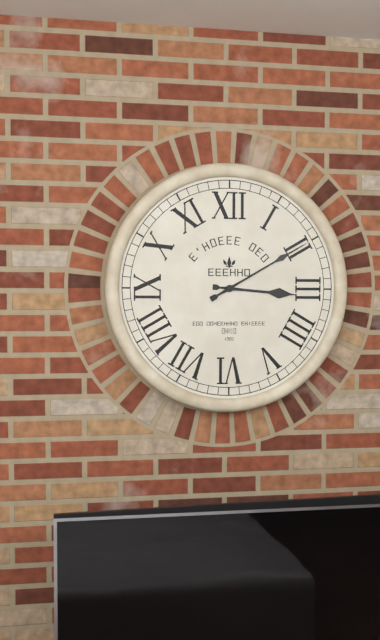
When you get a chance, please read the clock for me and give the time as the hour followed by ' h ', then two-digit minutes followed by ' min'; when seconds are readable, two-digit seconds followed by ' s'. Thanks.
3 h 10 min
